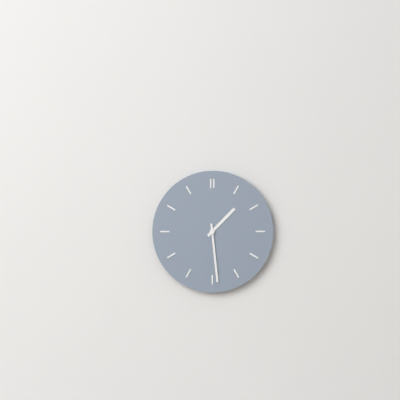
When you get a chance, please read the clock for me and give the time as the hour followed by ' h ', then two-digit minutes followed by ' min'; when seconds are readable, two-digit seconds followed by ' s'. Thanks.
1 h 29 min
